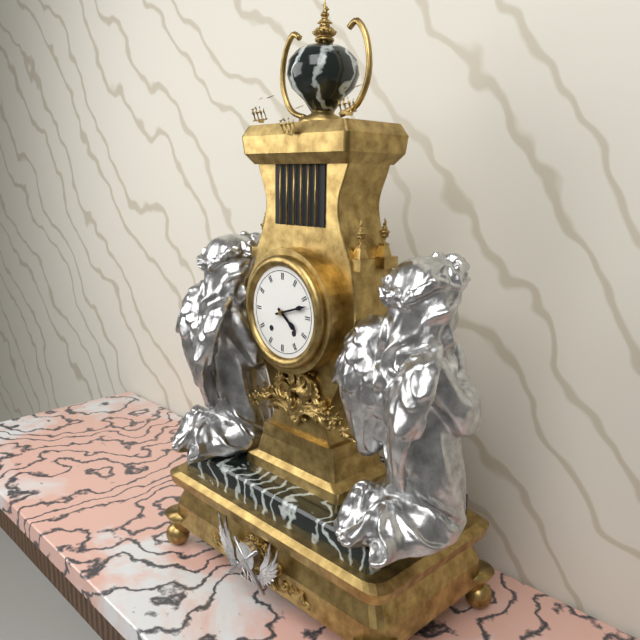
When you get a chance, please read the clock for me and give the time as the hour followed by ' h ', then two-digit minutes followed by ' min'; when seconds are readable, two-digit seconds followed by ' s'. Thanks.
4 h 12 min
